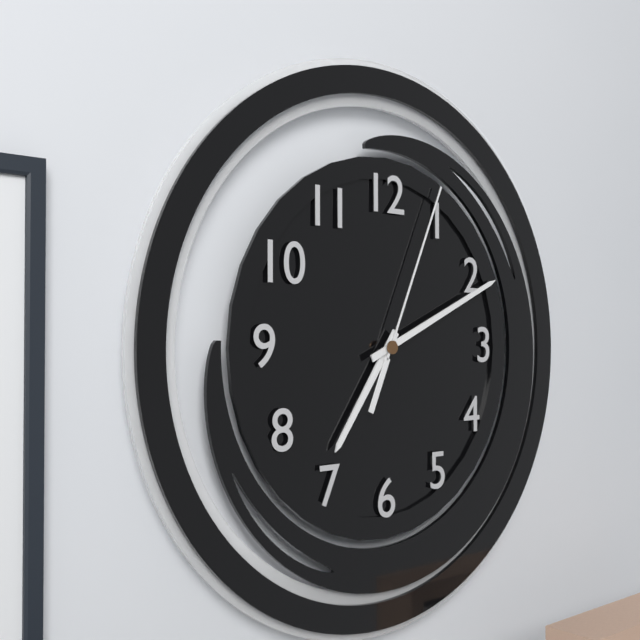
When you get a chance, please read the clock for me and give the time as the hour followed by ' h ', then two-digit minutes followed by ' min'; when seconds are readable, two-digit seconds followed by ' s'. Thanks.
7 h 11 min 04 s
